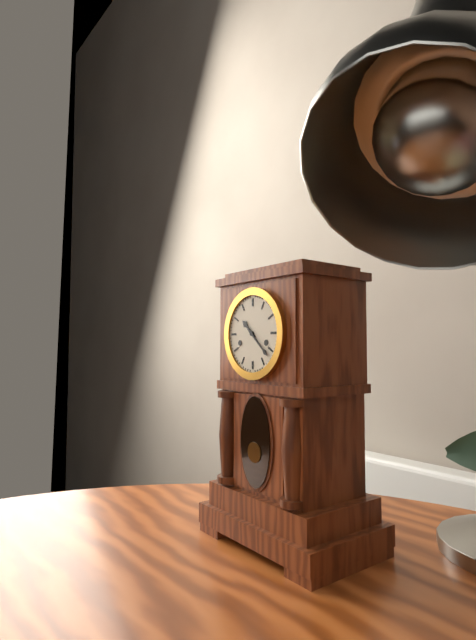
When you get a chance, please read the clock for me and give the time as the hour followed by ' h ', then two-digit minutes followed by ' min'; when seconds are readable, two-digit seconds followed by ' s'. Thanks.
10 h 22 min
